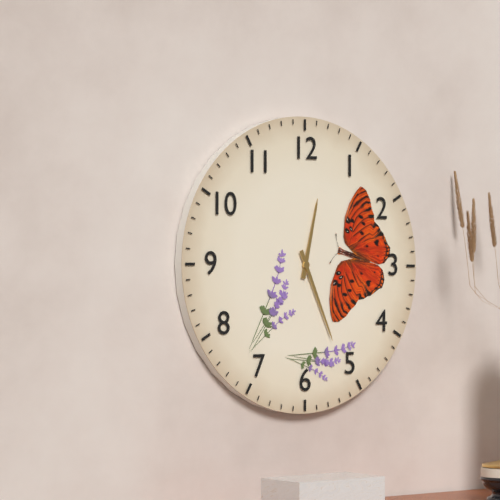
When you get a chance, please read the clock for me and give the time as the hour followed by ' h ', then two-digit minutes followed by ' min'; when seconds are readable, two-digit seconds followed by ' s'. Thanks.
12 h 26 min
